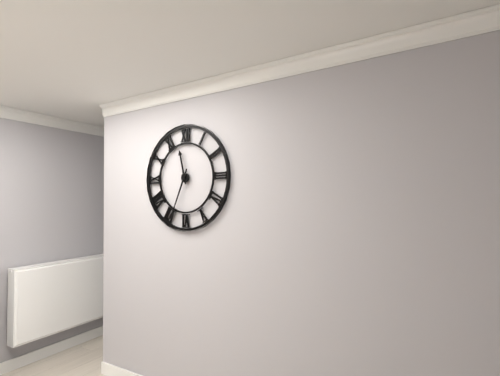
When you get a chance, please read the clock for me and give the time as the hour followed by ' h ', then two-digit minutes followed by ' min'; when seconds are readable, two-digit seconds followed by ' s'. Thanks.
11 h 34 min
